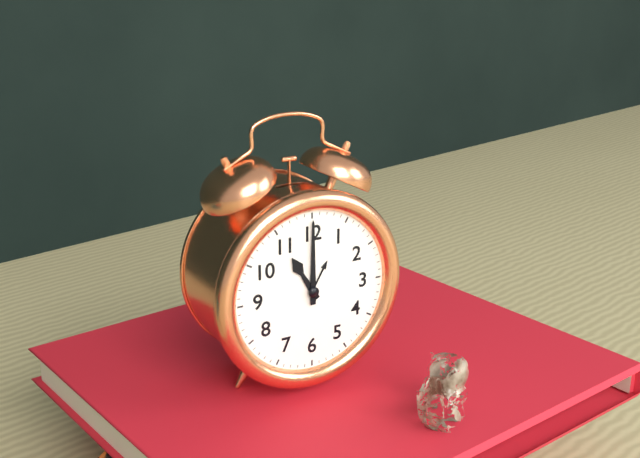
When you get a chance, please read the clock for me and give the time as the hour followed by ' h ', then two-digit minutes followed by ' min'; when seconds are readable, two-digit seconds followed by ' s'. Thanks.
11 h 00 min
